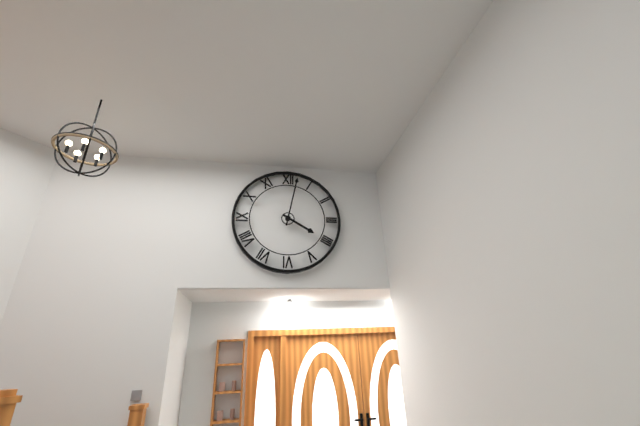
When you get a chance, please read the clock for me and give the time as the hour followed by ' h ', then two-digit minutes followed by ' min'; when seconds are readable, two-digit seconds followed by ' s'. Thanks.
4 h 02 min
